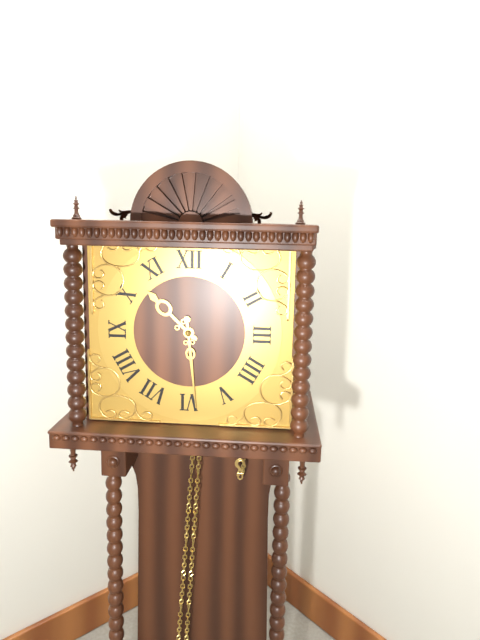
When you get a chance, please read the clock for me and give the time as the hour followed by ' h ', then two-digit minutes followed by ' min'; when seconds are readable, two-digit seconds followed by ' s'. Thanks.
10 h 29 min
